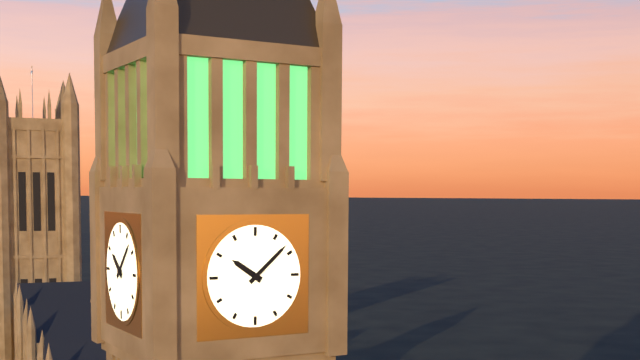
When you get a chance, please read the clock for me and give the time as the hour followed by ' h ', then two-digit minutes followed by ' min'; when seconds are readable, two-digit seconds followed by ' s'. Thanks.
10 h 08 min
